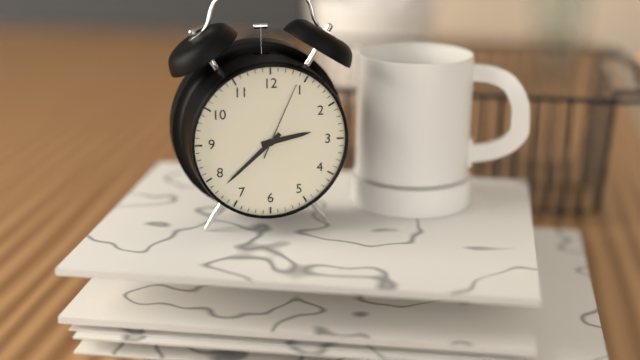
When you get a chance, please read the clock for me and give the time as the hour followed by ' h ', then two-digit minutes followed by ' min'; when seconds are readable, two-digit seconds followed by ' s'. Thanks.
2 h 38 min 04 s
